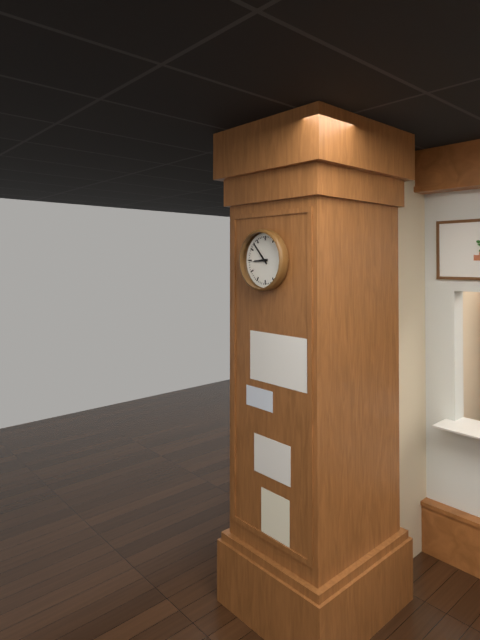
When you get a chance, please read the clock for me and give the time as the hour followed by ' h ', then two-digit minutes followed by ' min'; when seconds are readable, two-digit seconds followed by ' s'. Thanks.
8 h 53 min
